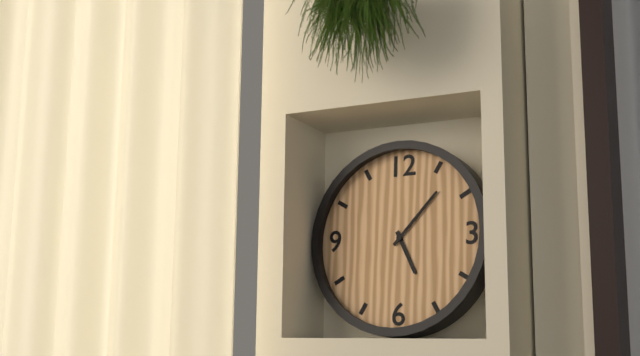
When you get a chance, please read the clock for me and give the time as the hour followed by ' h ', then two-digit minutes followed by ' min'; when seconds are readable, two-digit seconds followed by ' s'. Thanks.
5 h 07 min
